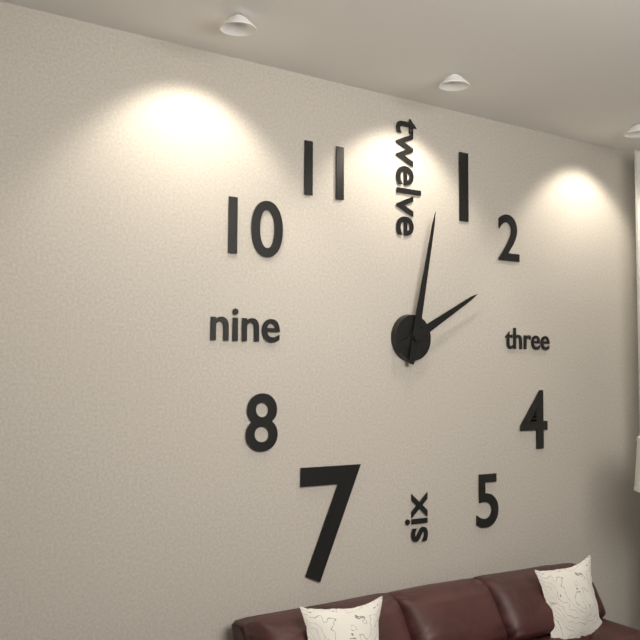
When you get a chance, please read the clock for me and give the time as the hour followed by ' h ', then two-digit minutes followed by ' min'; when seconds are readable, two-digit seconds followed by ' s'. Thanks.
2 h 02 min
